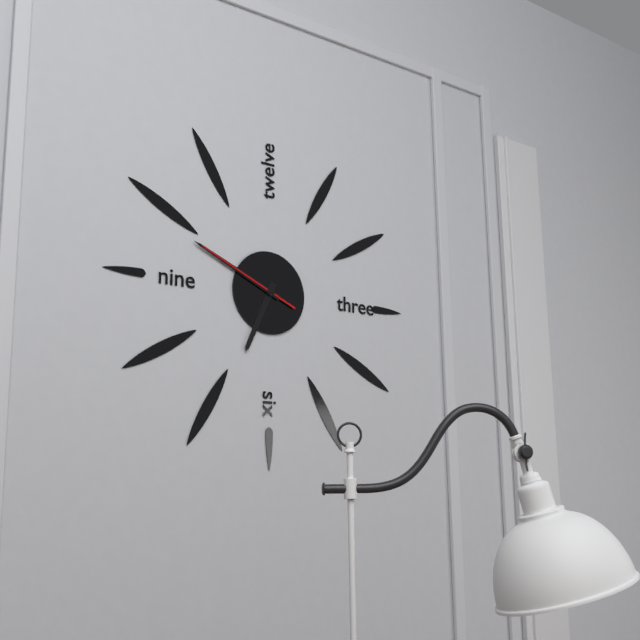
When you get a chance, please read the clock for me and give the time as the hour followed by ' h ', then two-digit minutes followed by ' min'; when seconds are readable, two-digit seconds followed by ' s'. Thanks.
6 h 49 min 49 s
